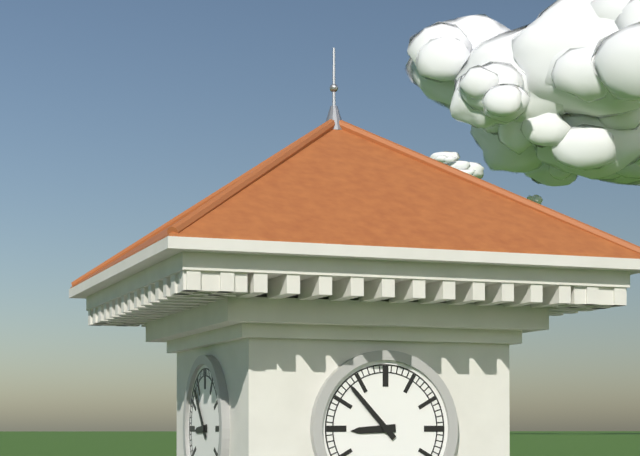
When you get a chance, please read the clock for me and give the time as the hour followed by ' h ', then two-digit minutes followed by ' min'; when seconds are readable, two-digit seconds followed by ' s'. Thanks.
8 h 53 min
